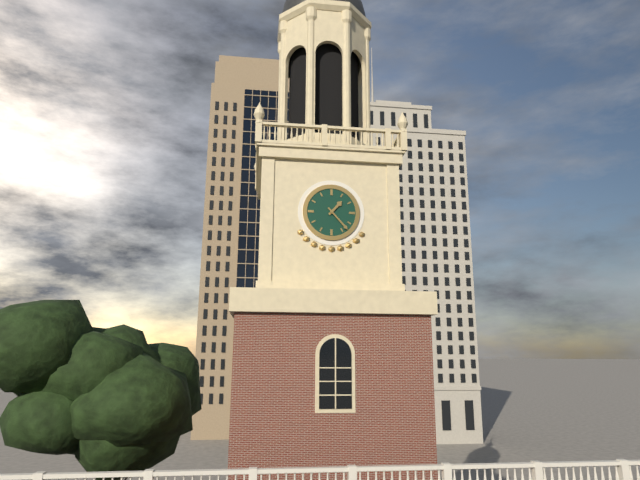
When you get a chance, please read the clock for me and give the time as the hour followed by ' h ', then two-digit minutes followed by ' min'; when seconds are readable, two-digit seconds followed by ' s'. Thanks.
1 h 23 min
